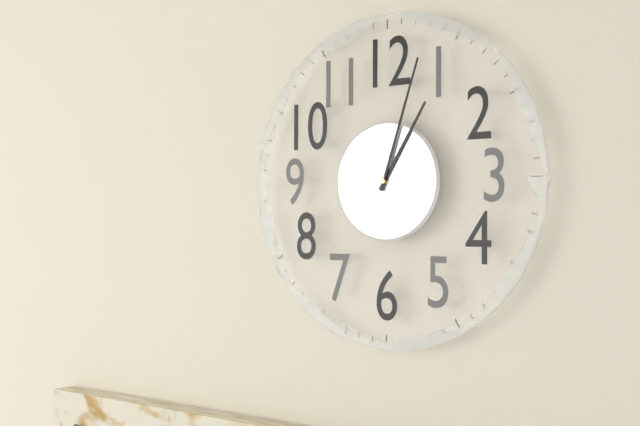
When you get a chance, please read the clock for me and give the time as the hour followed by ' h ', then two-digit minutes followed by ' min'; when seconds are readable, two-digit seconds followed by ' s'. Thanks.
1 h 03 min
